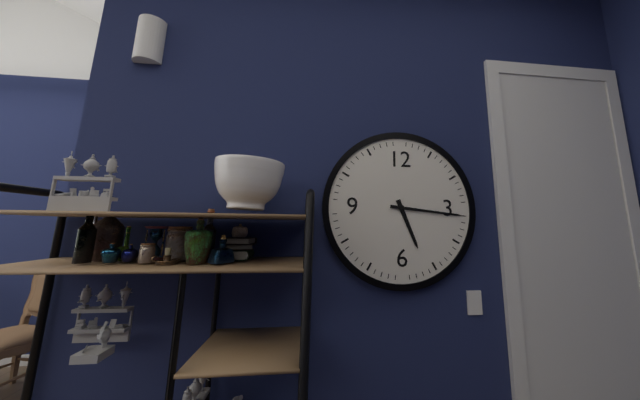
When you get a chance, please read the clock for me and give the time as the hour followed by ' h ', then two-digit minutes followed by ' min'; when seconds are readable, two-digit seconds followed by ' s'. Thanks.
5 h 16 min
